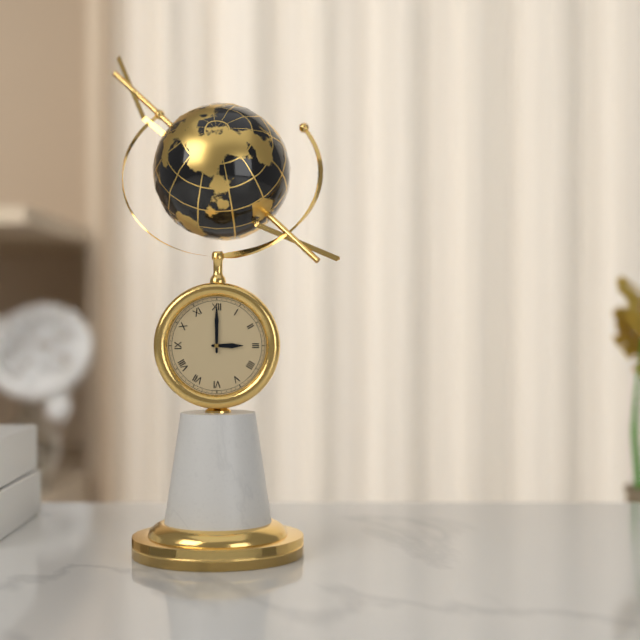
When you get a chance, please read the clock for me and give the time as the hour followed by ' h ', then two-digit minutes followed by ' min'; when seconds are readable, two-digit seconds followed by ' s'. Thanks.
3 h 00 min
